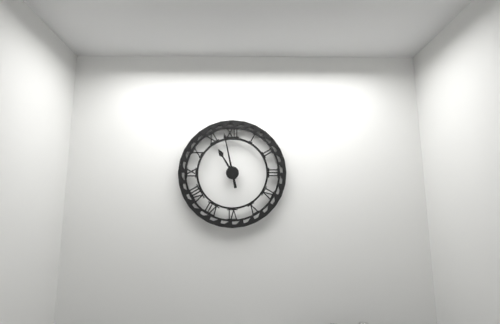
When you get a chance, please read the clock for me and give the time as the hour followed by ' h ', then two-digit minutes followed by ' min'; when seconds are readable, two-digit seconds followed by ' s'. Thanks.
10 h 58 min
